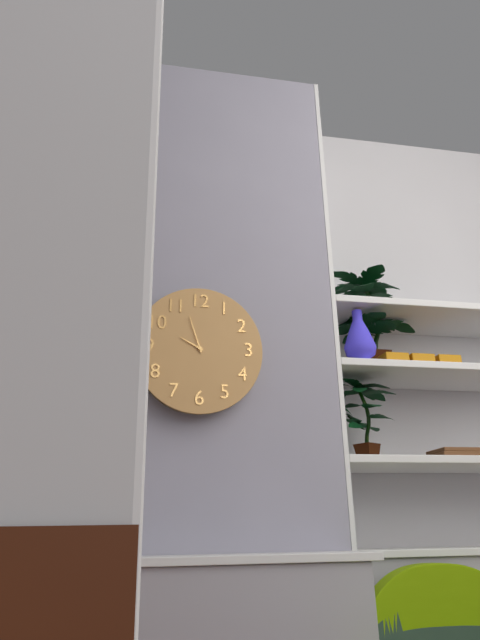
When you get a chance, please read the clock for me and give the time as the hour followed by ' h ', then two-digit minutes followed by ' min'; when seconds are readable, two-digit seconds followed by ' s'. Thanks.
9 h 57 min
